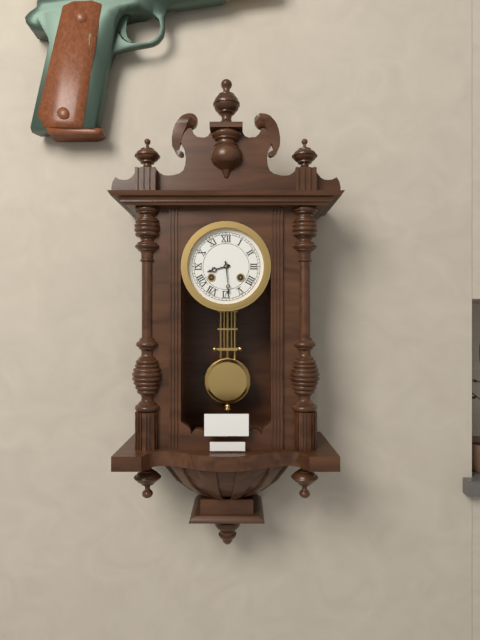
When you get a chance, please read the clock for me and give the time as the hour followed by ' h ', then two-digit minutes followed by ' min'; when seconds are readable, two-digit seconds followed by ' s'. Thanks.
8 h 29 min
